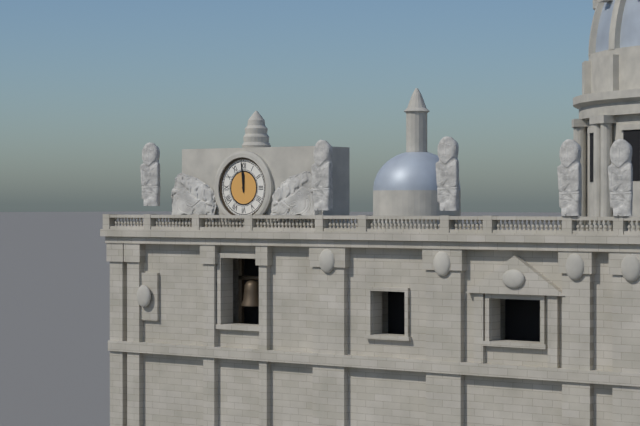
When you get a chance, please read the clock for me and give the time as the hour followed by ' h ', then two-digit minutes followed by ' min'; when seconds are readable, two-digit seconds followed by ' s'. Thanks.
11 h 59 min
